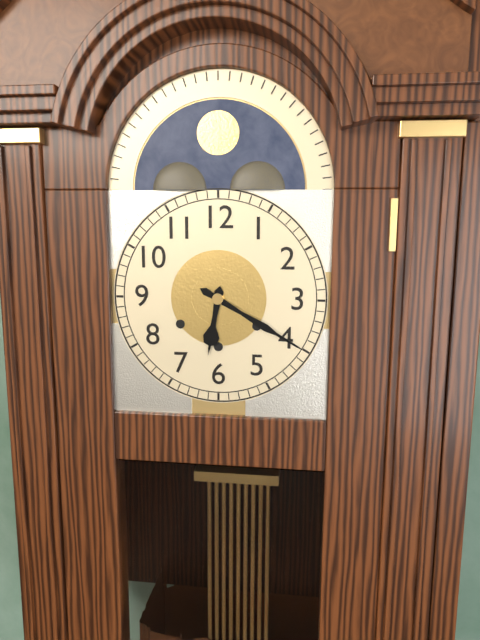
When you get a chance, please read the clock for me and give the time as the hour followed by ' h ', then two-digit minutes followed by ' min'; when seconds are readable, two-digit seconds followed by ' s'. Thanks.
6 h 20 min
